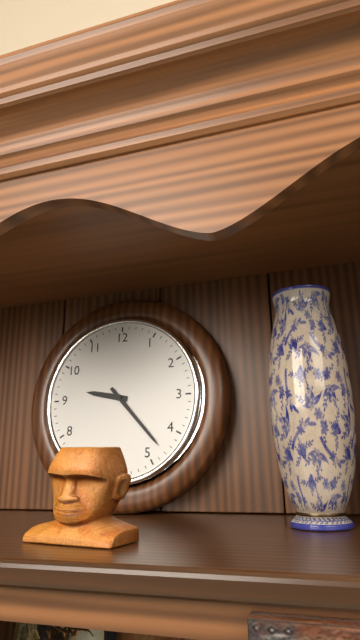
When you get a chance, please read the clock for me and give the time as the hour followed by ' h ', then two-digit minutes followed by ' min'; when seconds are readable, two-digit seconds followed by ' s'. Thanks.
9 h 23 min
